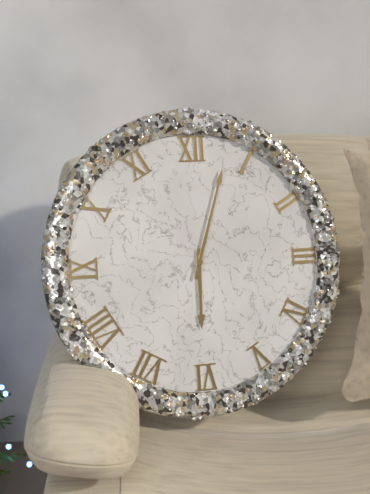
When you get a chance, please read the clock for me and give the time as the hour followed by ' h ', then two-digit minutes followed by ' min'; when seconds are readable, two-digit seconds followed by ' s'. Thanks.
6 h 03 min
